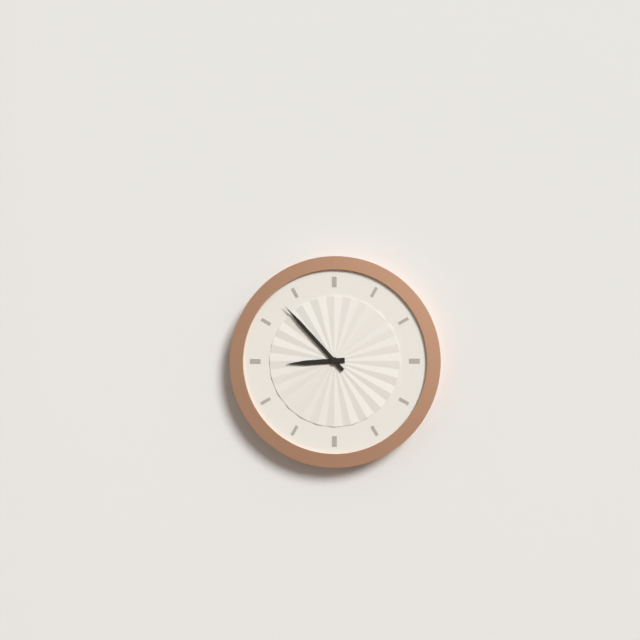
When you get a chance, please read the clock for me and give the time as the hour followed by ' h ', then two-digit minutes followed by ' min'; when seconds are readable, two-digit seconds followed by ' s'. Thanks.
8 h 53 min
